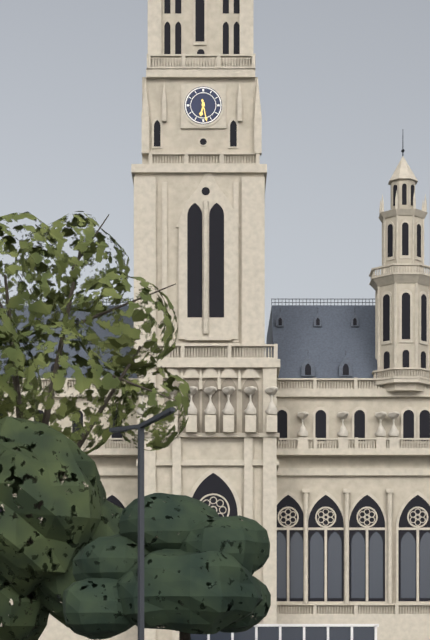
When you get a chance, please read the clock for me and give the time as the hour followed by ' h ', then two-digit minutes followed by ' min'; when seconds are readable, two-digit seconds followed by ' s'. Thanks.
6 h 28 min
